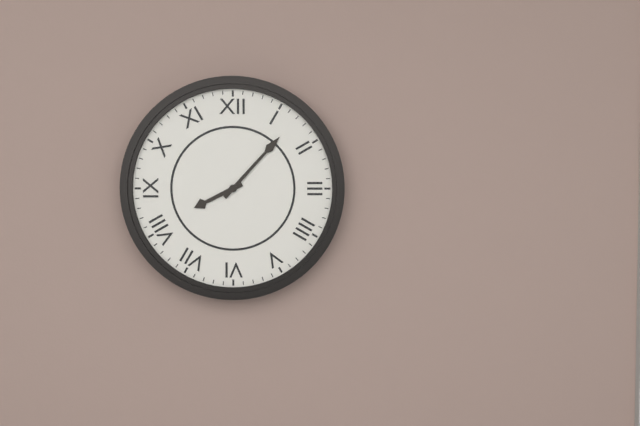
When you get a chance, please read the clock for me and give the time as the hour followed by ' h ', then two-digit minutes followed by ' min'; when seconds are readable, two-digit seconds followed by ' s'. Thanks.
8 h 07 min
